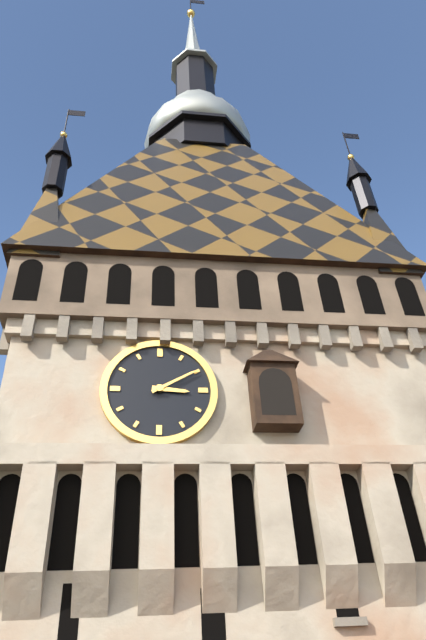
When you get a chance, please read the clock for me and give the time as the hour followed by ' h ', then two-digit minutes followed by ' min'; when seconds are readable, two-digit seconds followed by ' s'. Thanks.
3 h 10 min
